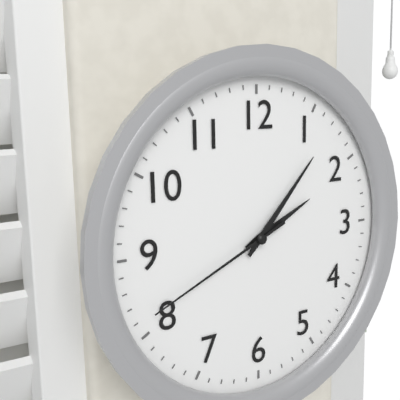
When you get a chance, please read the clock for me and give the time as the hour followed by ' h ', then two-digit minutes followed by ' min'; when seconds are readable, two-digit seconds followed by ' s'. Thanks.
2 h 07 min 41 s
